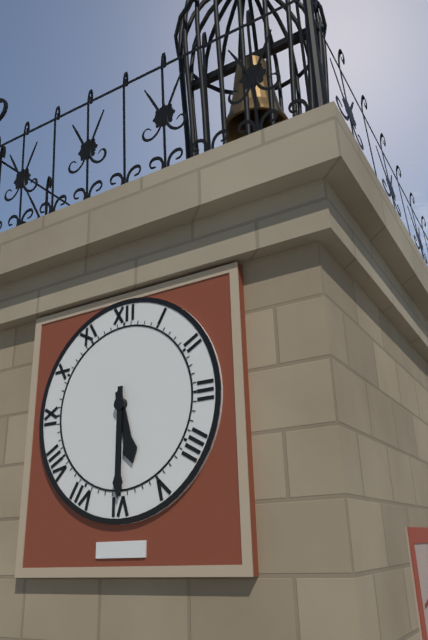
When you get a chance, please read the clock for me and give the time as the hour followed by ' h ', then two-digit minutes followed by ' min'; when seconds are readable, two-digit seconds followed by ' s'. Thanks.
5 h 30 min
